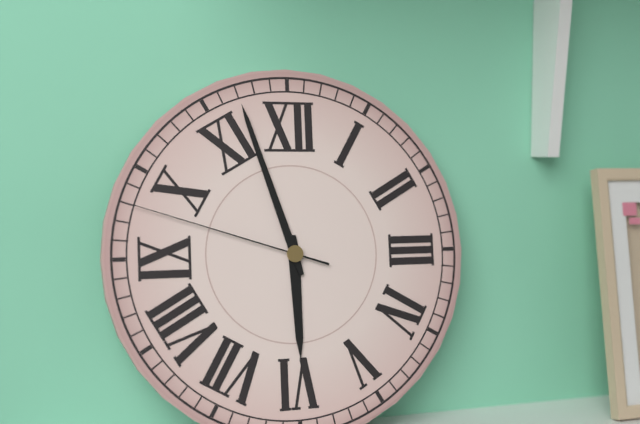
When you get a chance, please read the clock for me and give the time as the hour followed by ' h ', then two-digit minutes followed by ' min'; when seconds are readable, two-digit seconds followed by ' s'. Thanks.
5 h 57 min 48 s
